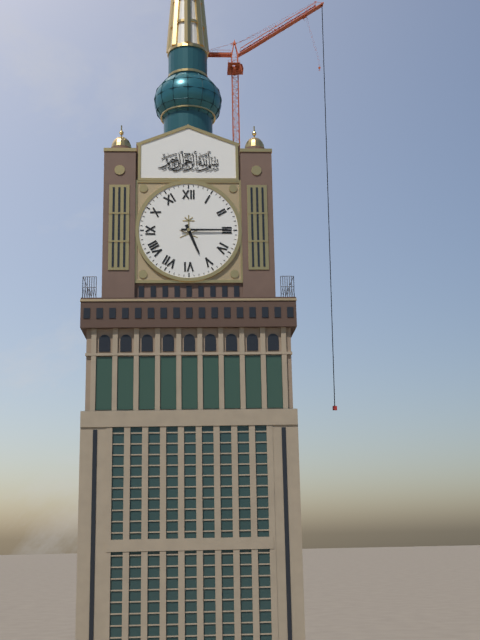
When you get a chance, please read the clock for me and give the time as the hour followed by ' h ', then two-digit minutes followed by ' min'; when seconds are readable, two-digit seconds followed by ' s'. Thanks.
5 h 15 min
